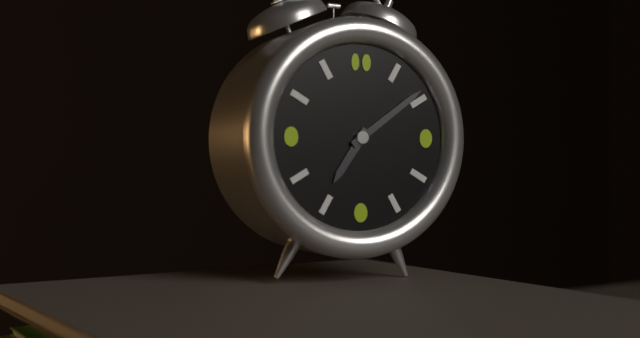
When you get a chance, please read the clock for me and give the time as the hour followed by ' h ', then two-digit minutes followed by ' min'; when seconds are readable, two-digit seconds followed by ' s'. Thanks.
7 h 09 min
